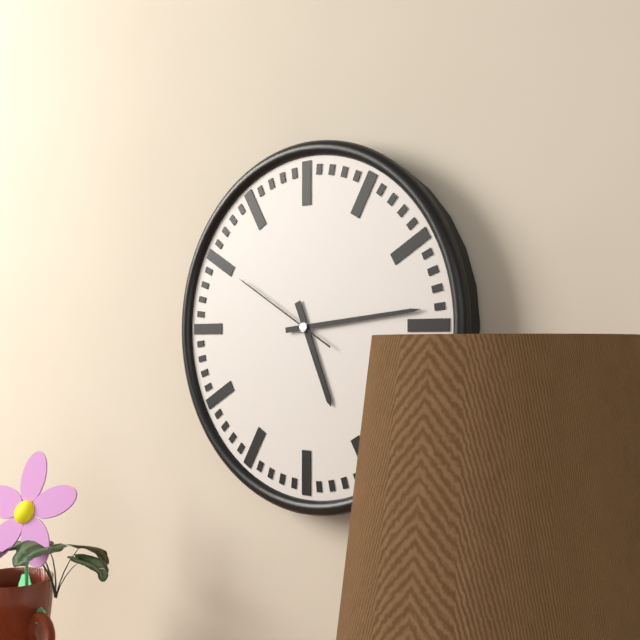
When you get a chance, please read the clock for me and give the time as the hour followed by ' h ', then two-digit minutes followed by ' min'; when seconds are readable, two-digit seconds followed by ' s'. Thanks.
5 h 14 min 50 s
